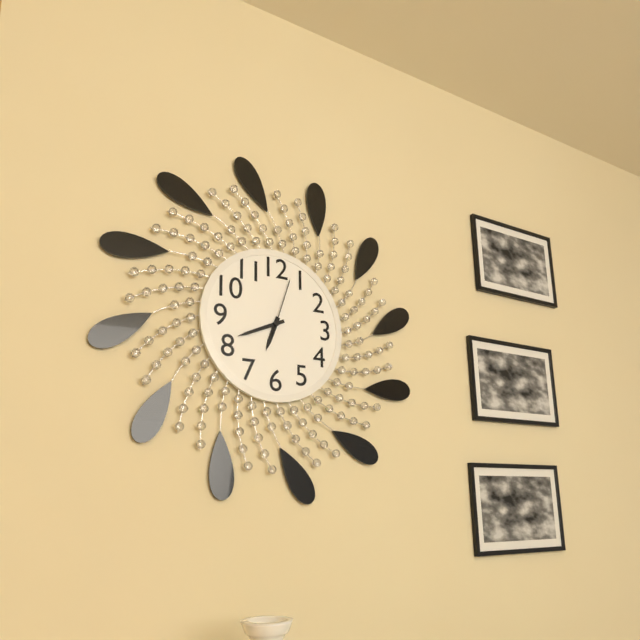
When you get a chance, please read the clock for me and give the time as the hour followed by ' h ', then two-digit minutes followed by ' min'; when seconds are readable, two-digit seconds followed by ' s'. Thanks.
6 h 41 min 03 s
